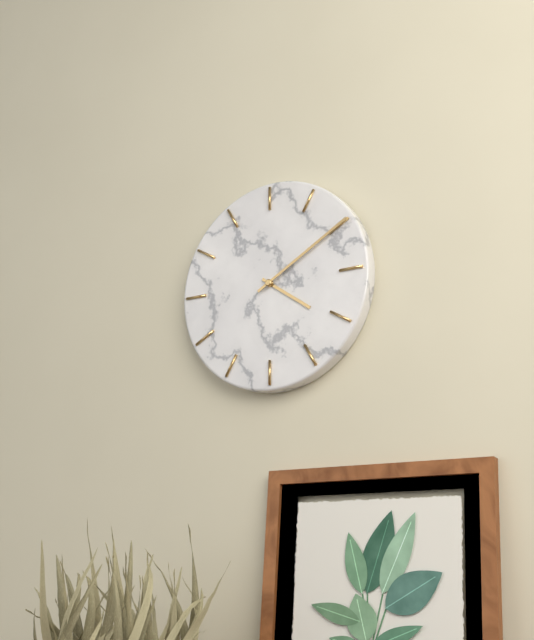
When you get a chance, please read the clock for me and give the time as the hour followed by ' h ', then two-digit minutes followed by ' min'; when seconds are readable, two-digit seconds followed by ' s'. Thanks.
4 h 10 min
